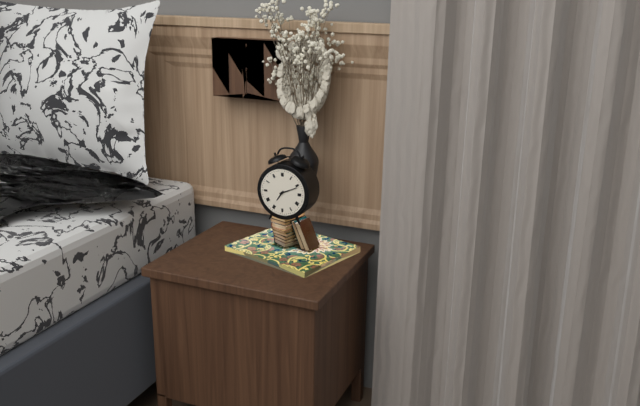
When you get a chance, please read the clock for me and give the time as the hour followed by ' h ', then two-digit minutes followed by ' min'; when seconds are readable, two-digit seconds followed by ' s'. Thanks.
7 h 11 min
